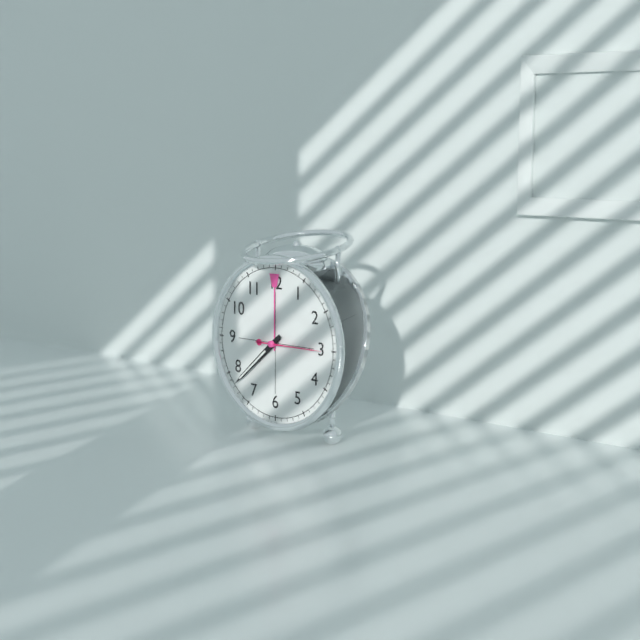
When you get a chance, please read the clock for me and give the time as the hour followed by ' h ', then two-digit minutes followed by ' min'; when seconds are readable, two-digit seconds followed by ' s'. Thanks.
7 h 38 min 15 s
